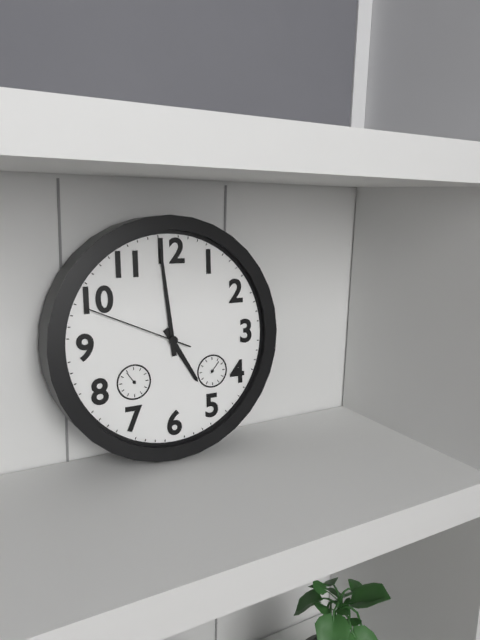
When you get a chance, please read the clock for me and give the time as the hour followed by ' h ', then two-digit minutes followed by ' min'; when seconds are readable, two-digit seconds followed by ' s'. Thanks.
4 h 59 min 49 s
